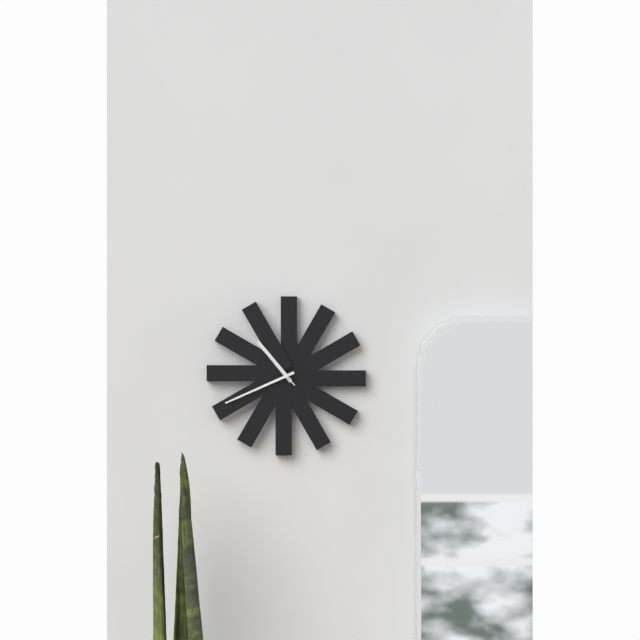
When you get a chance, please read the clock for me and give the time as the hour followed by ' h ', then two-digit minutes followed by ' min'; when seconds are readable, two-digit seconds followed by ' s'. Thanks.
10 h 41 min 53 s
